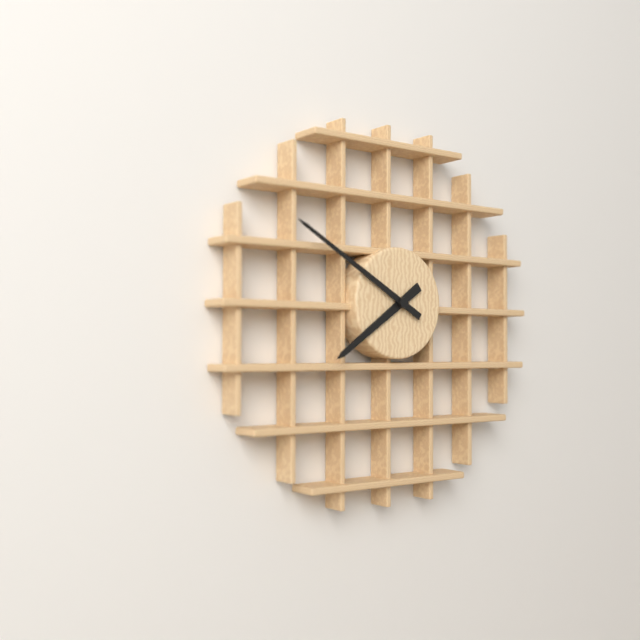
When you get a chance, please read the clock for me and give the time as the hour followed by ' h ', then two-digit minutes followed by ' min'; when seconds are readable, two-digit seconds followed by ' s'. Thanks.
7 h 50 min
